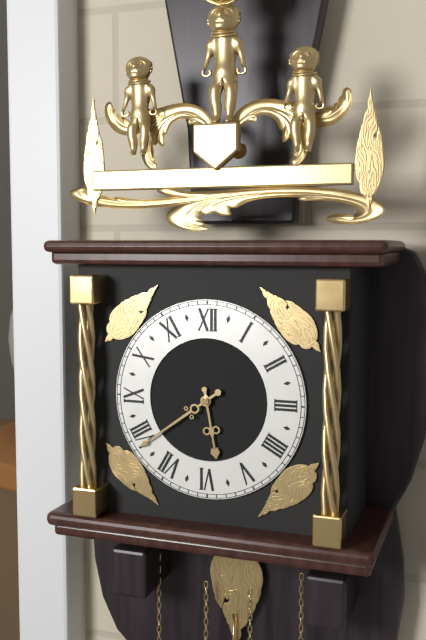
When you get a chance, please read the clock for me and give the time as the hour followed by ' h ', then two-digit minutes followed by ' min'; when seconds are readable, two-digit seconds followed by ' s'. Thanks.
5 h 39 min
